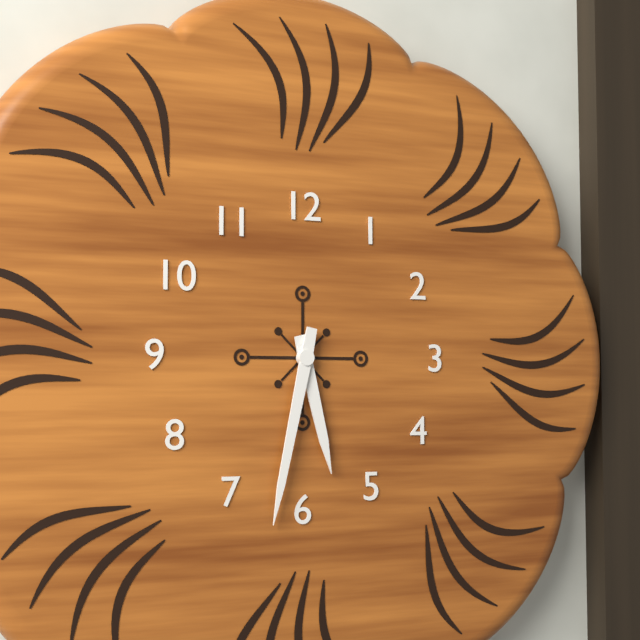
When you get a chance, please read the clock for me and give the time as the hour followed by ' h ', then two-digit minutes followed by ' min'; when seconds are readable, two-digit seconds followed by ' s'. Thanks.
5 h 32 min
